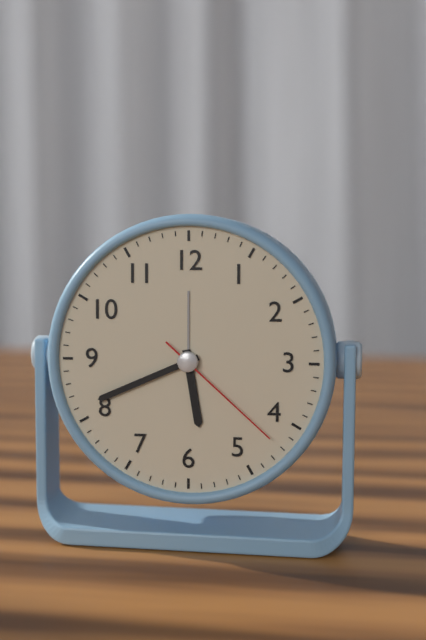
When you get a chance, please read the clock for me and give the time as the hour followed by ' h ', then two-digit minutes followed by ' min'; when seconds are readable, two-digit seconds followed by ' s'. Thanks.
5 h 41 min 22 s
